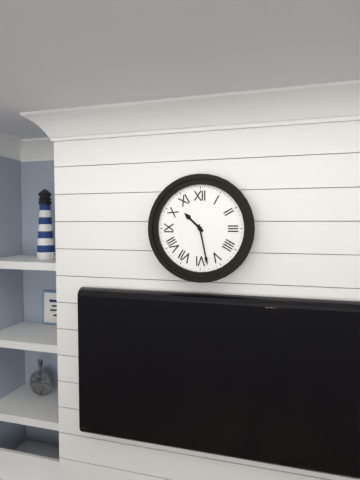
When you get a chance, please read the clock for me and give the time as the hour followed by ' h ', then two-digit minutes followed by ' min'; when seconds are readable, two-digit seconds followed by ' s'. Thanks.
10 h 28 min
